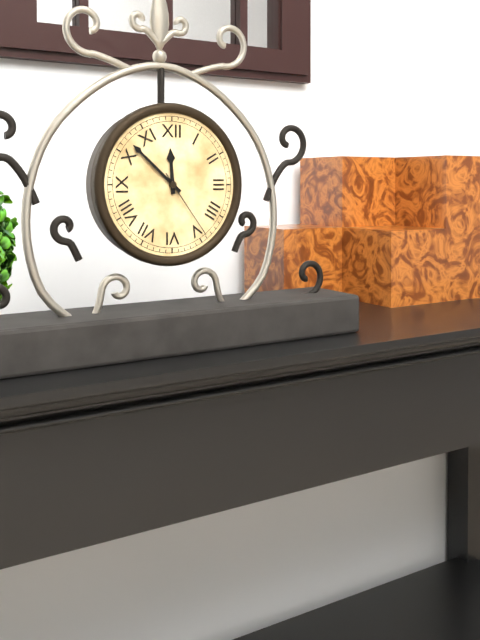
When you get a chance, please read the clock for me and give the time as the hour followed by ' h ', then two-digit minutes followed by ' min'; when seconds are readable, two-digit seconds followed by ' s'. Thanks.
11 h 52 min 24 s
